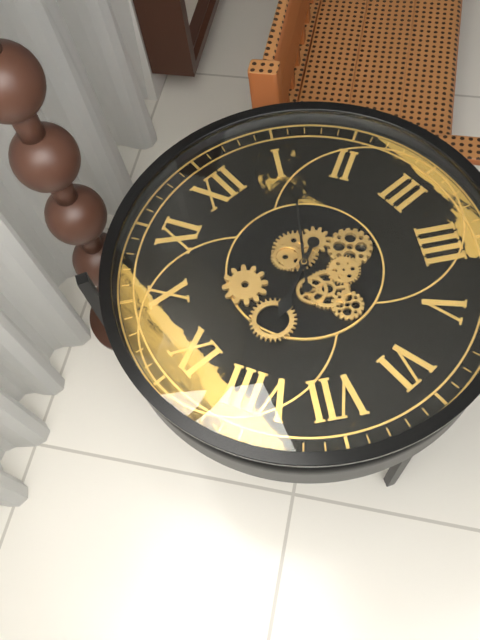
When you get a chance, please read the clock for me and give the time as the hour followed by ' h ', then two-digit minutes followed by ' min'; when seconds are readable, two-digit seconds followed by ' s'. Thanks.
8 h 06 min
